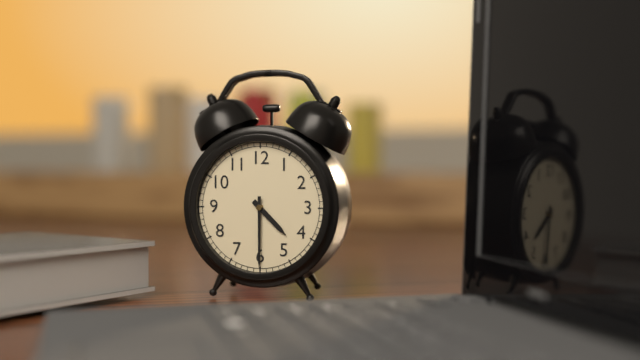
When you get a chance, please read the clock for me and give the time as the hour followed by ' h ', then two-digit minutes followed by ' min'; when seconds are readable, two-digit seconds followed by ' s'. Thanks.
4 h 30 min
